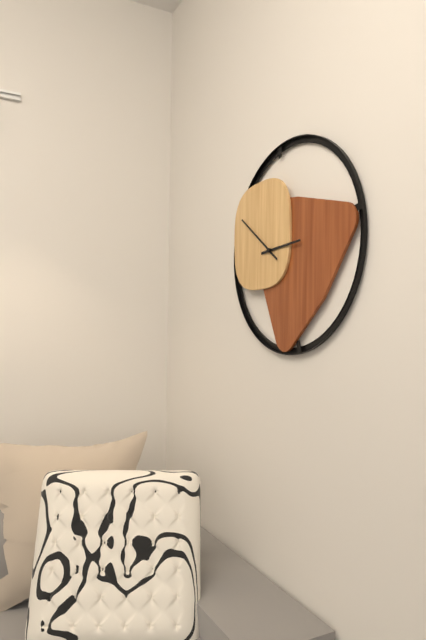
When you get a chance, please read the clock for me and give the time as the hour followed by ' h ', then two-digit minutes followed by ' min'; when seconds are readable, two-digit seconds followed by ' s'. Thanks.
2 h 51 min
